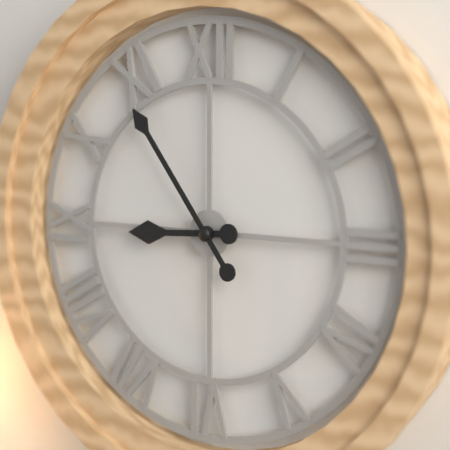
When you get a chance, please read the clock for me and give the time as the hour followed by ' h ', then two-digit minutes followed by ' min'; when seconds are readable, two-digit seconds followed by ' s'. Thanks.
8 h 54 min
